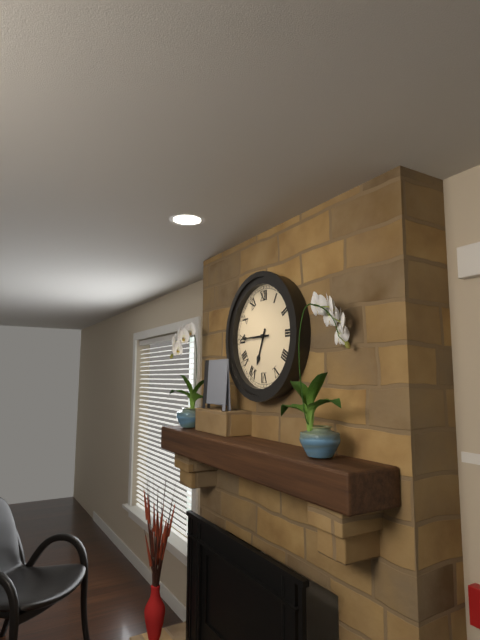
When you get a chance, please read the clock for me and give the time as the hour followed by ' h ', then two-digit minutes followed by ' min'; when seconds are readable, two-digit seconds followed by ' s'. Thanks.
6 h 45 min
